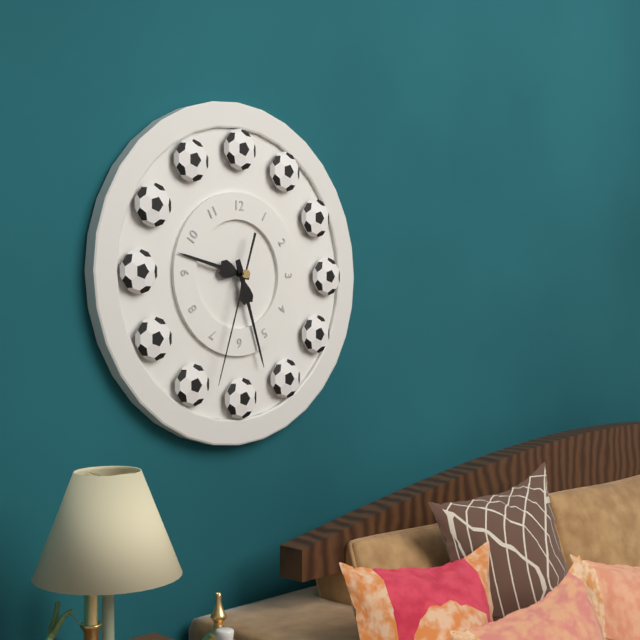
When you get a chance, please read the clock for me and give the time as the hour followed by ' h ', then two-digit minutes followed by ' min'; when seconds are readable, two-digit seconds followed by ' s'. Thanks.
9 h 27 min 33 s
